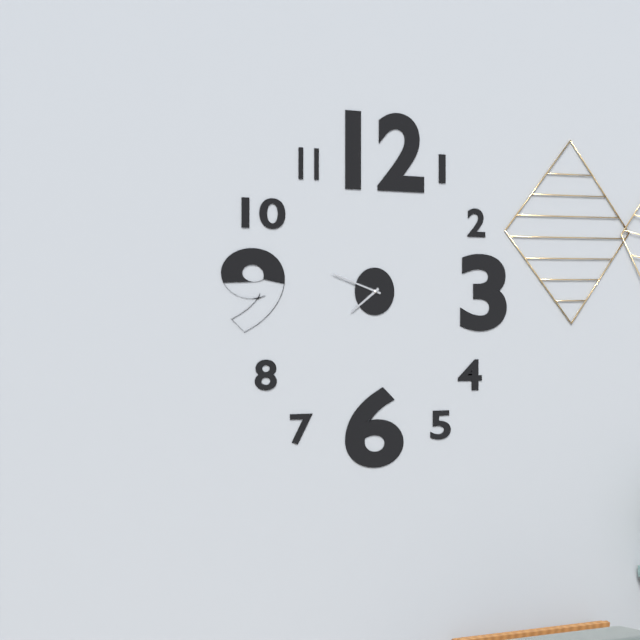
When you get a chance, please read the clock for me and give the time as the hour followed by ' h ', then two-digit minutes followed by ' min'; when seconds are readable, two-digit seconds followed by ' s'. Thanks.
7 h 48 min
